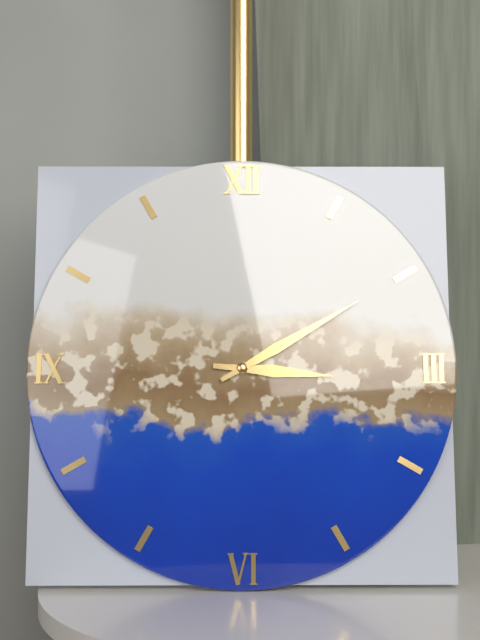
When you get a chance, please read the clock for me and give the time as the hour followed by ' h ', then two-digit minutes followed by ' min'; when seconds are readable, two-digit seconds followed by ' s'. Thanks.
3 h 10 min
